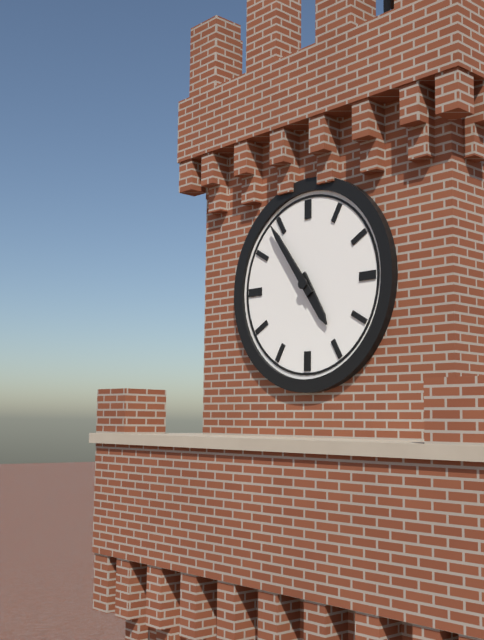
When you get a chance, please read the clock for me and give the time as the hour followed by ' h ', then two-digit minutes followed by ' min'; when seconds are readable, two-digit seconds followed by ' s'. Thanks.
4 h 54 min
